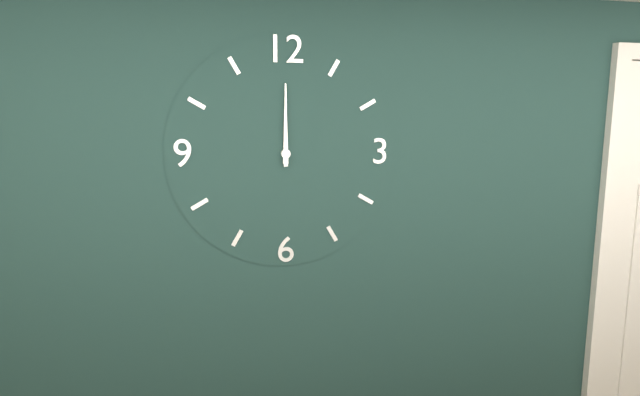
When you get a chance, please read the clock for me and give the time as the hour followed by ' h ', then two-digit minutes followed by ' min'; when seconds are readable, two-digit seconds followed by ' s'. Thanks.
12 h 00 min
